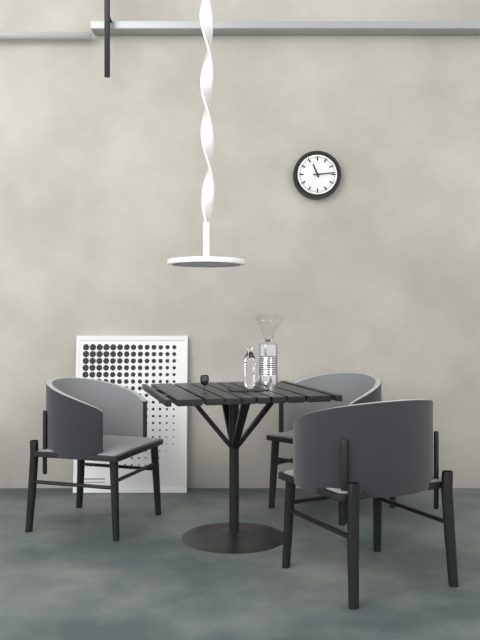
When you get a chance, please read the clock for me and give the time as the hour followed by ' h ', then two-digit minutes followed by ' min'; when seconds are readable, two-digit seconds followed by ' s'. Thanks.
11 h 14 min
